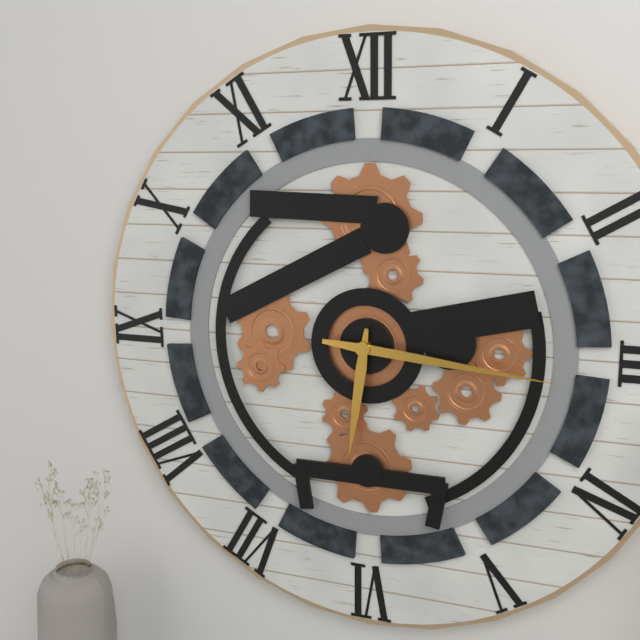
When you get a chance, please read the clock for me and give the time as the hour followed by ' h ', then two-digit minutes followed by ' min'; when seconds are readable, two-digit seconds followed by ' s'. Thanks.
6 h 16 min
